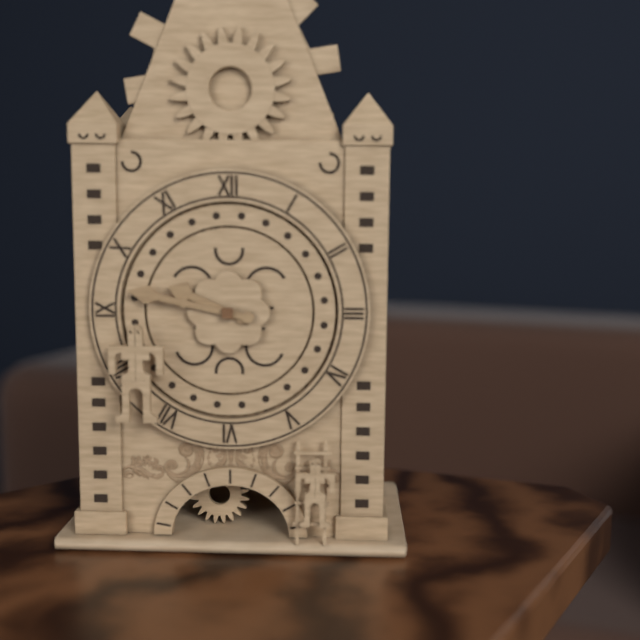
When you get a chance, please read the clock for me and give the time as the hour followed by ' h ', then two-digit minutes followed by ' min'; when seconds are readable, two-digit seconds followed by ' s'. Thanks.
9 h 47 min
